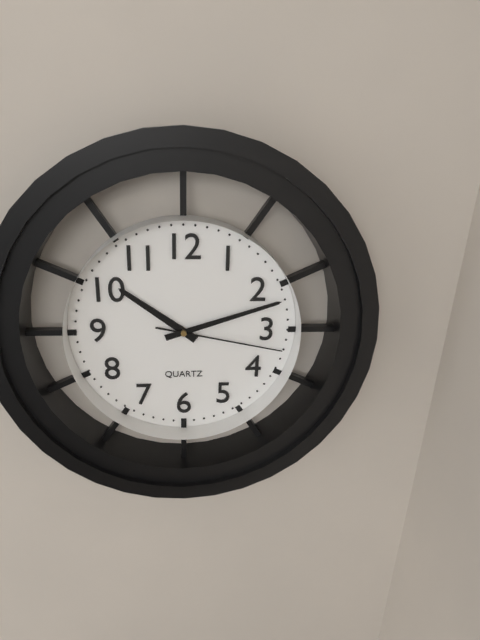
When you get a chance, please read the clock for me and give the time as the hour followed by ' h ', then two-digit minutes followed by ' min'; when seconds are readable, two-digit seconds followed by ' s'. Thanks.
10 h 12 min 17 s
